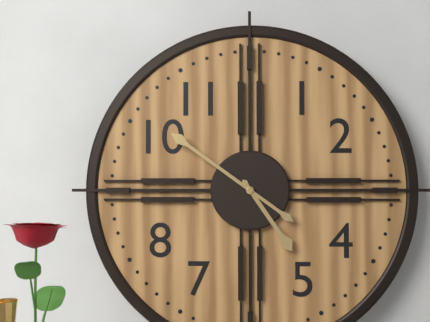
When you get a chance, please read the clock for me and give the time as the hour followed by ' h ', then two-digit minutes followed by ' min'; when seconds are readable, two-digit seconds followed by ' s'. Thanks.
4 h 51 min
